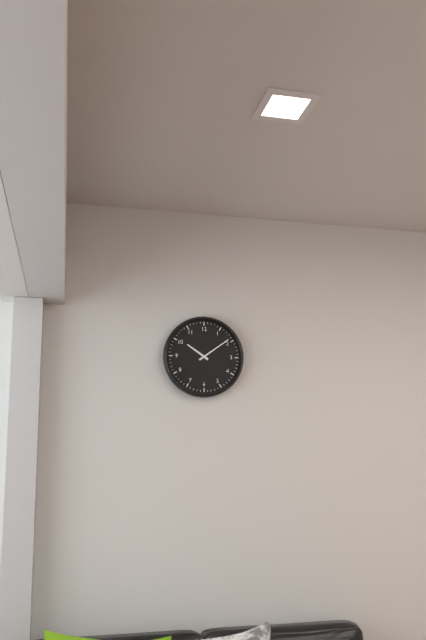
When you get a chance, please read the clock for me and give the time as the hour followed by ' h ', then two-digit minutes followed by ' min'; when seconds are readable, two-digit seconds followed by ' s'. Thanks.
10 h 09 min
